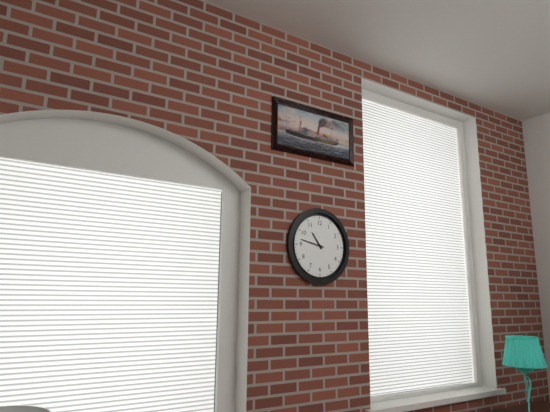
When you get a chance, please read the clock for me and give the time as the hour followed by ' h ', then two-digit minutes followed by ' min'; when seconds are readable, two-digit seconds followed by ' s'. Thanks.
10 h 47 min
